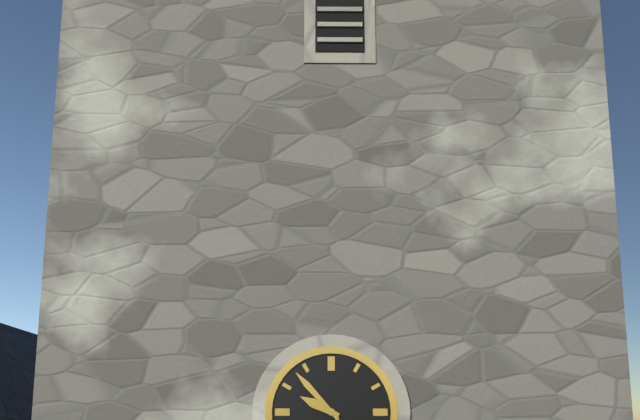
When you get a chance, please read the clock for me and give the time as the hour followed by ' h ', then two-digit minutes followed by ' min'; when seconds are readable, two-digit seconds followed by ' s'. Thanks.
9 h 53 min
